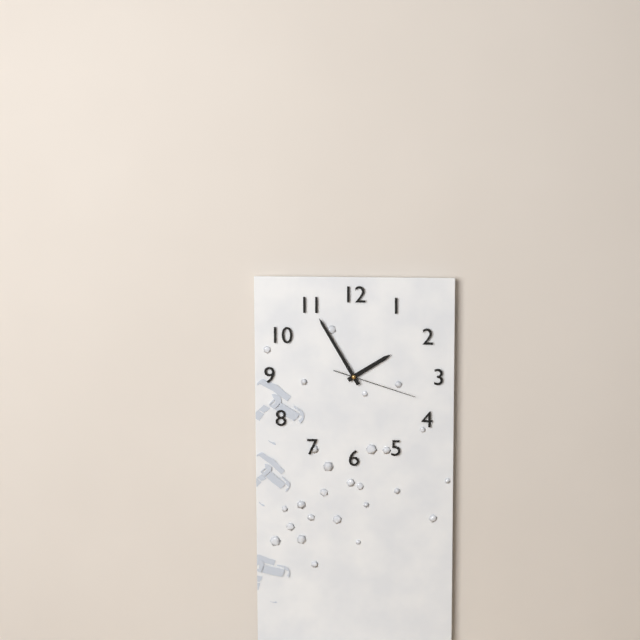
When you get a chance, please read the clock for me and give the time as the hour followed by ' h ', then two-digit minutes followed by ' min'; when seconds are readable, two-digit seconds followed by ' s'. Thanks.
1 h 55 min 18 s
